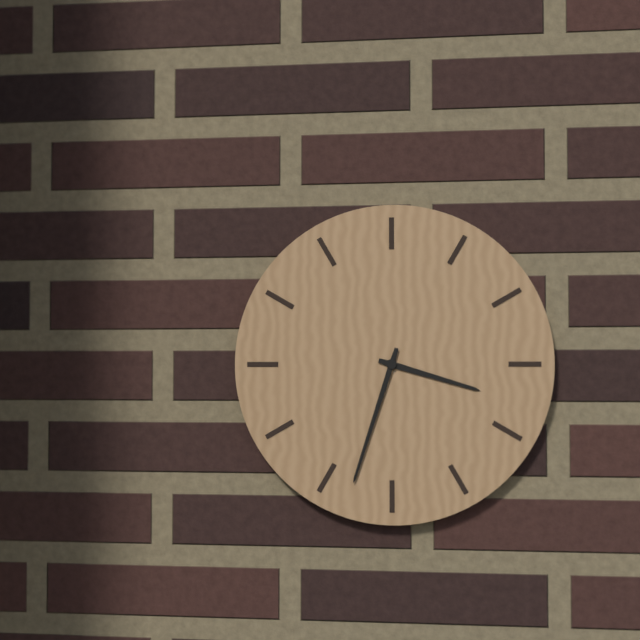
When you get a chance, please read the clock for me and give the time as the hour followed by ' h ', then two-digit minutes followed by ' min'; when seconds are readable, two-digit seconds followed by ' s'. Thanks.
3 h 33 min
